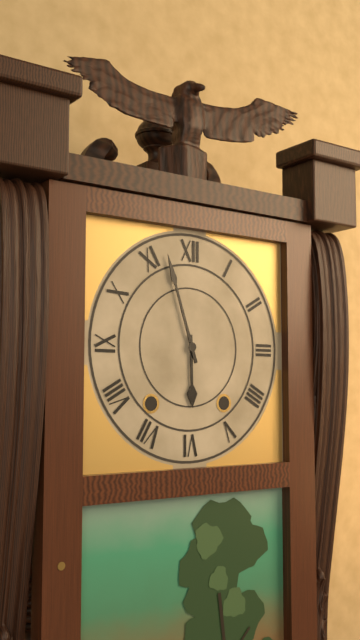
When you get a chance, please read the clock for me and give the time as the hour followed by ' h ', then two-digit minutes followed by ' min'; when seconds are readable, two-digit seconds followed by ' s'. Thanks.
5 h 57 min
